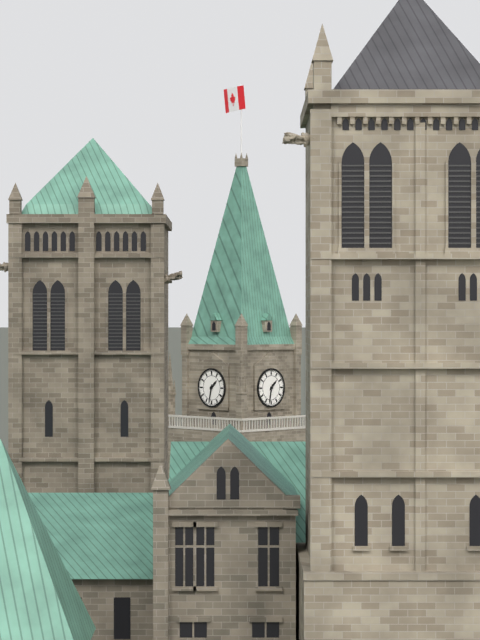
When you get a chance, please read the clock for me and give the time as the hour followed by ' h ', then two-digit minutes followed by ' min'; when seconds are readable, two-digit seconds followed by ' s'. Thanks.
1 h 32 min
